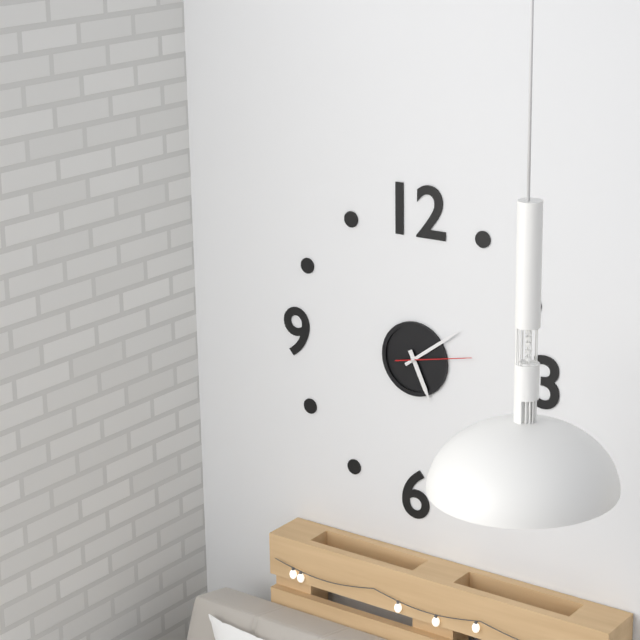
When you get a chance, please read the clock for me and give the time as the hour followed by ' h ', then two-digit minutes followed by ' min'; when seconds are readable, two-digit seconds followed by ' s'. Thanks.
5 h 09 min 13 s
